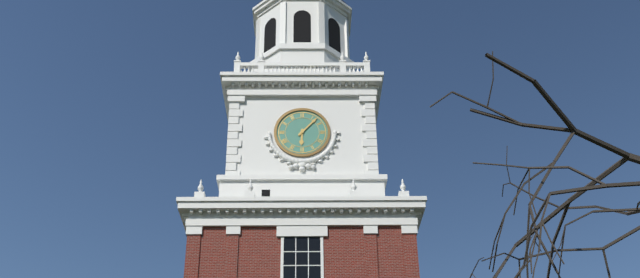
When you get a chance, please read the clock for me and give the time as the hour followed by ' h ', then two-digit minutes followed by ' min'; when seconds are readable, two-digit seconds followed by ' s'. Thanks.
6 h 07 min
